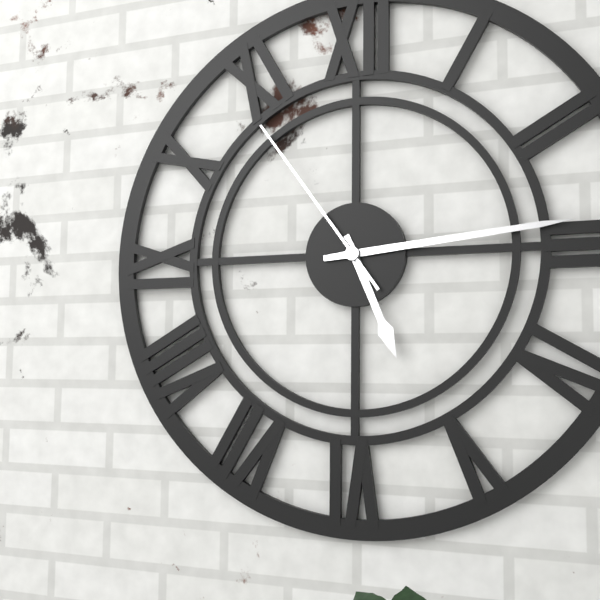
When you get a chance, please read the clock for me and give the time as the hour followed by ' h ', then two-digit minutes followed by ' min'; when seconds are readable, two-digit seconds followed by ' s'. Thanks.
5 h 14 min 54 s
